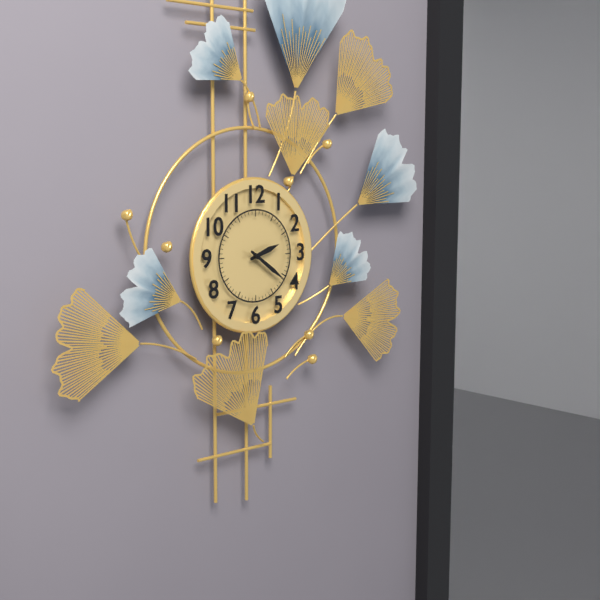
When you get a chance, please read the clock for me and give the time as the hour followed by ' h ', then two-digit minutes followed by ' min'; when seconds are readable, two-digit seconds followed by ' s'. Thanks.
2 h 21 min
